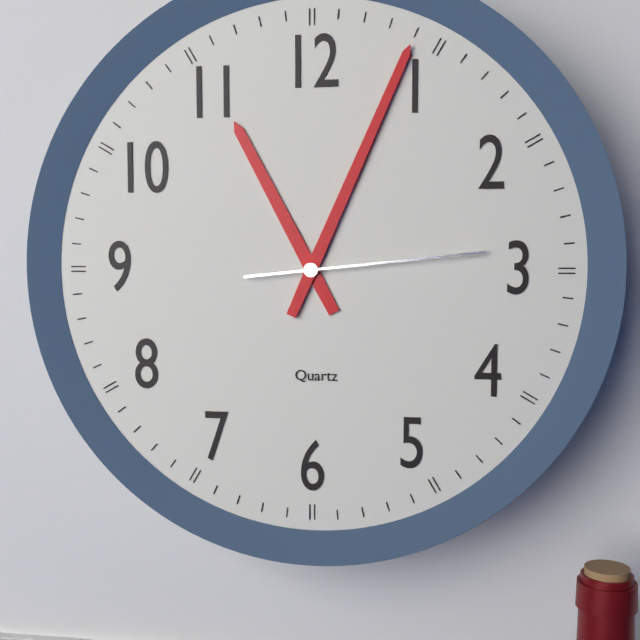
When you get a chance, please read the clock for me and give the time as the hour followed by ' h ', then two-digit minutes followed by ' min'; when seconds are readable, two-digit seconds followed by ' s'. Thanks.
11 h 04 min 14 s
